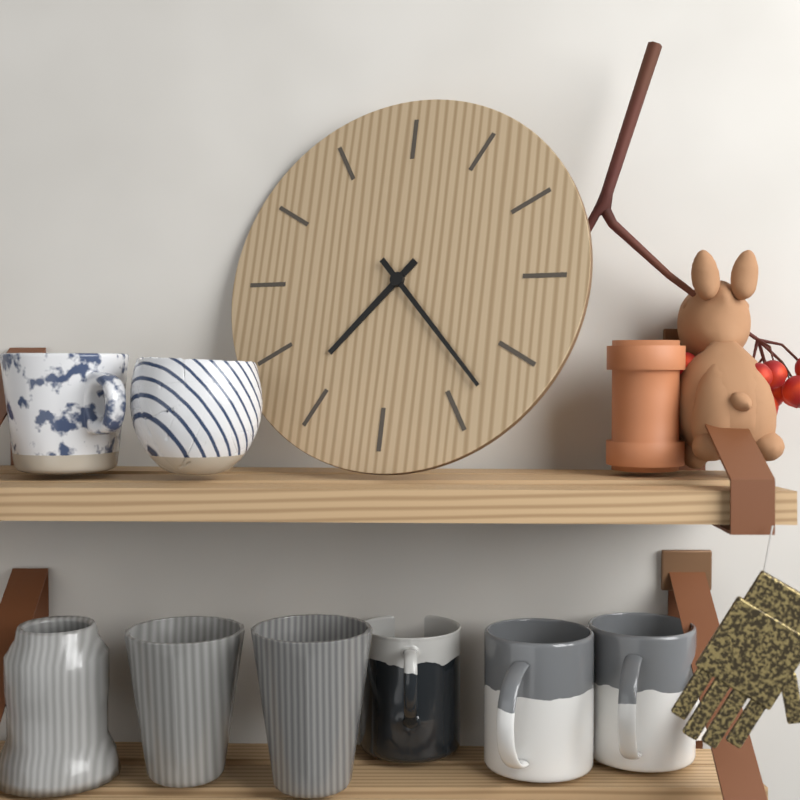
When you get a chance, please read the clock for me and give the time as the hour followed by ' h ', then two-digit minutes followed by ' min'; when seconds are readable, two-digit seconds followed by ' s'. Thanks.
7 h 23 min
